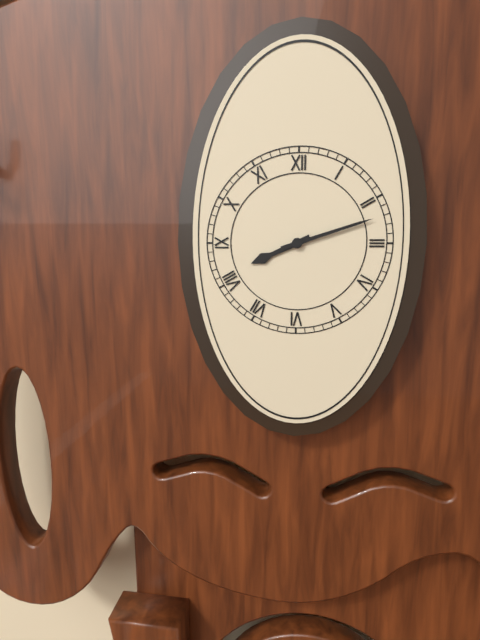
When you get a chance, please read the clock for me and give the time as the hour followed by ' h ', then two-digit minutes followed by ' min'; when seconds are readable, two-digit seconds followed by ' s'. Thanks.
8 h 12 min
